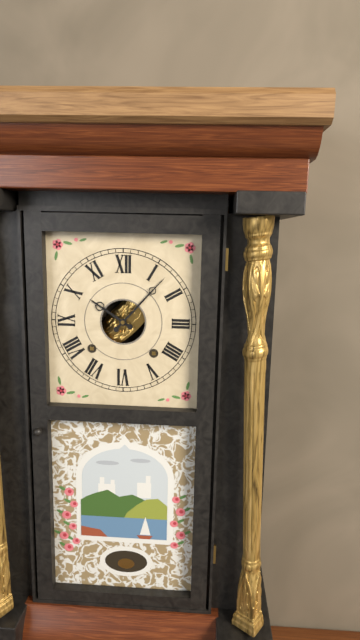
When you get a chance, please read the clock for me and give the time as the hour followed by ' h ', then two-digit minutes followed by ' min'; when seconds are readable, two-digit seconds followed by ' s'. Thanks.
10 h 07 min
